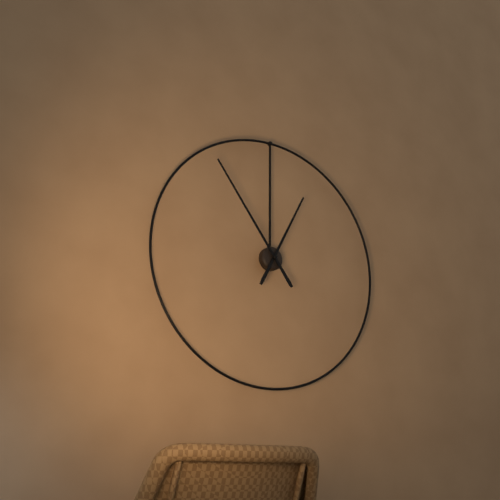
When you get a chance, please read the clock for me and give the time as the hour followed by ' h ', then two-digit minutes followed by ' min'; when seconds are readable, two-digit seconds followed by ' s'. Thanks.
12 h 54 min
